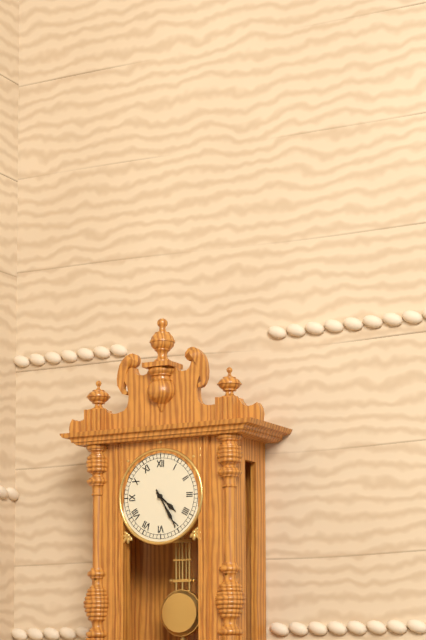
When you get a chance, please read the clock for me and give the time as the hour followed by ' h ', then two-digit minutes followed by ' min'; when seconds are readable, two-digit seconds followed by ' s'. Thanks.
4 h 25 min
